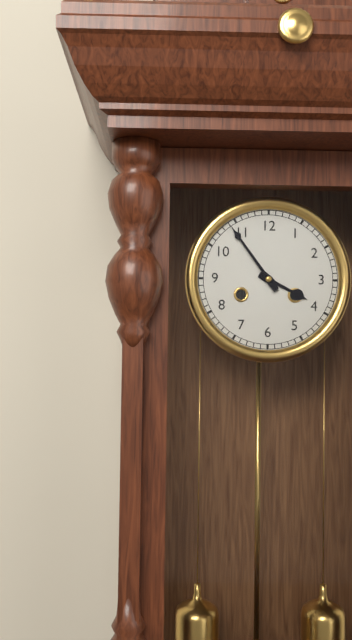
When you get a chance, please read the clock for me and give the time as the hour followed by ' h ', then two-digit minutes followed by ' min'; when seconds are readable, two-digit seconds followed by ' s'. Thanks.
3 h 54 min
